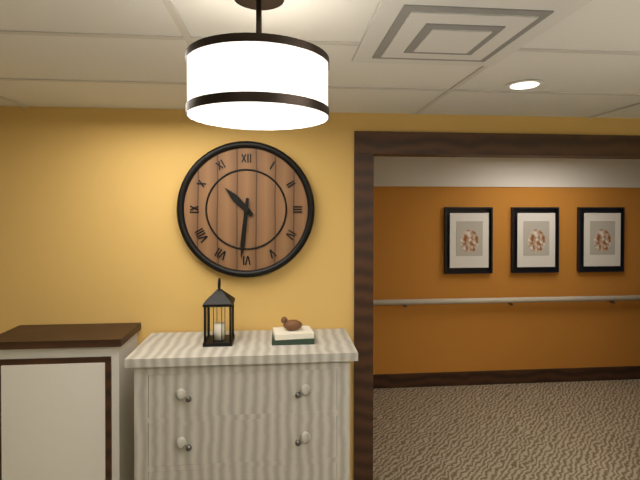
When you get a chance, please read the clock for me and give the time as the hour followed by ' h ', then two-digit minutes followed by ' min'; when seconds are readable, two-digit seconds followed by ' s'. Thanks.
10 h 31 min
